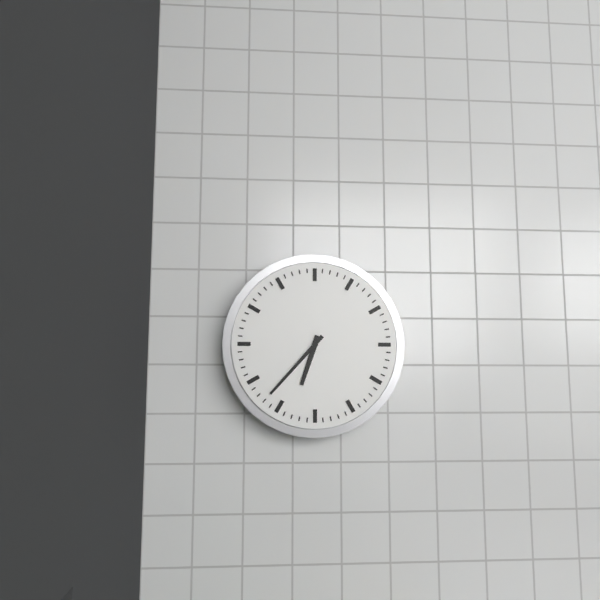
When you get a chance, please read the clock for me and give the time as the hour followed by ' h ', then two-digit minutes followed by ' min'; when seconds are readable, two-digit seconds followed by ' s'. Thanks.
6 h 37 min
